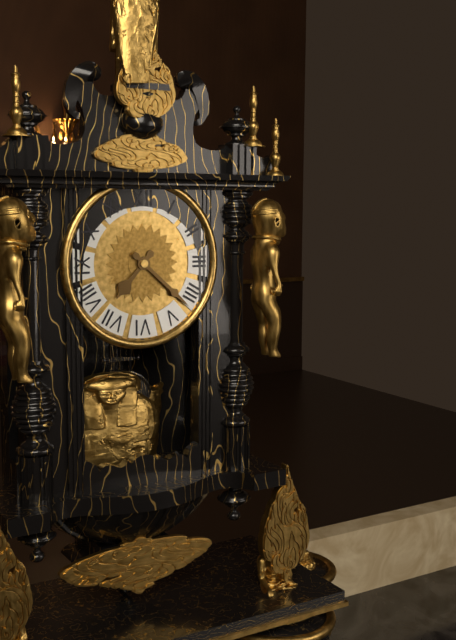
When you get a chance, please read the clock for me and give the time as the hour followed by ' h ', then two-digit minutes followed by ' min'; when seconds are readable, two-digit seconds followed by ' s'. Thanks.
7 h 22 min
